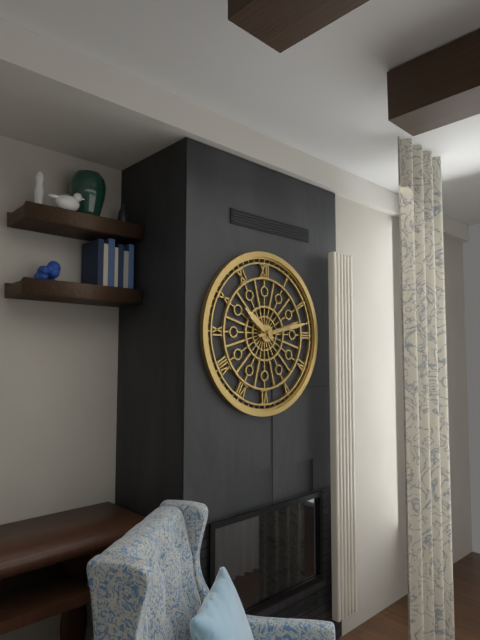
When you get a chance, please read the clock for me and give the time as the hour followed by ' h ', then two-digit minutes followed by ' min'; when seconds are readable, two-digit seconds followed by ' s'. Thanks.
10 h 13 min
